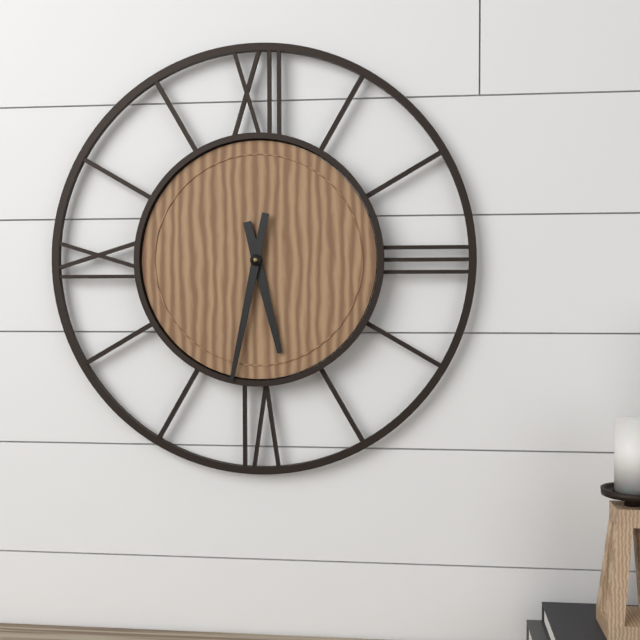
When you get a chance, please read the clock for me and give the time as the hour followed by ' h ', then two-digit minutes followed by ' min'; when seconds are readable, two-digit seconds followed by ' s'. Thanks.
5 h 32 min
